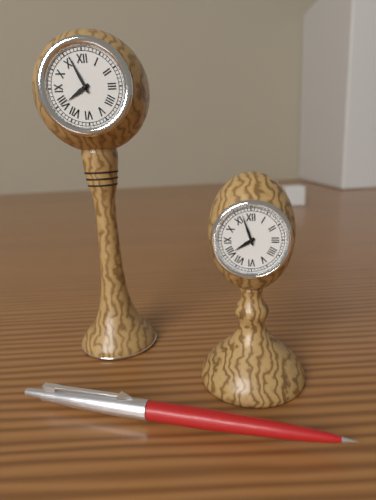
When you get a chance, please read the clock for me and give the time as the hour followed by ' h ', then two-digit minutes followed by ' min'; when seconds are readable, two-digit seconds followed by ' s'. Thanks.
7 h 56 min
